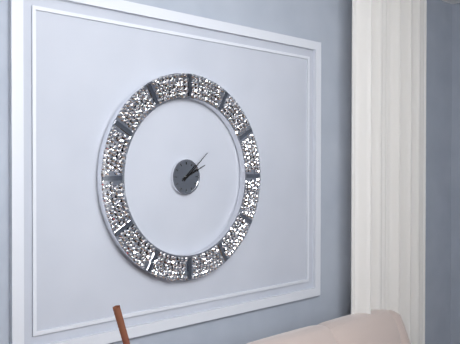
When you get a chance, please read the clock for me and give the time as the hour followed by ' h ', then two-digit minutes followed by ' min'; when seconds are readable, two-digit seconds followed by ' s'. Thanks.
2 h 08 min
